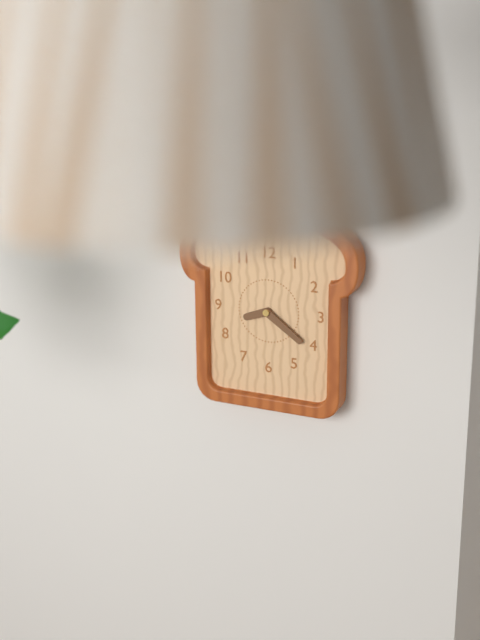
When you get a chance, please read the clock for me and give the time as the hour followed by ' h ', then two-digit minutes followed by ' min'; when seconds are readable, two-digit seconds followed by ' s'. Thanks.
8 h 21 min
